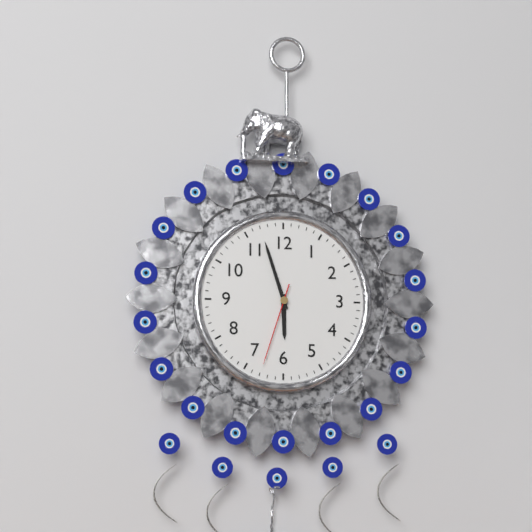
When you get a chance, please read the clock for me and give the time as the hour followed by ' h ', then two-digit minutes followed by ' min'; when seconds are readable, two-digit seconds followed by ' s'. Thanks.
5 h 57 min 33 s
